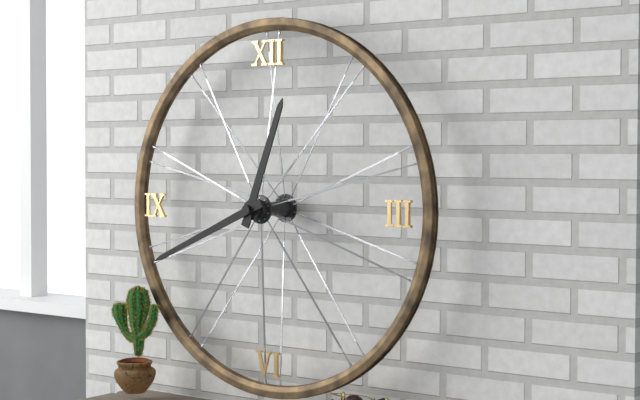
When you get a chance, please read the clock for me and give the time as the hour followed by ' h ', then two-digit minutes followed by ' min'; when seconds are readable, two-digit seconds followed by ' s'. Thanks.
12 h 41 min
